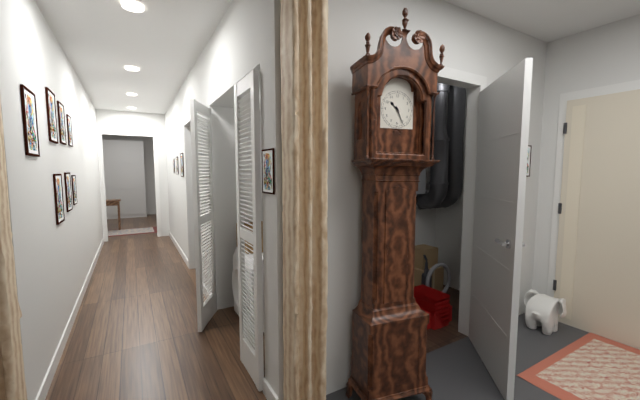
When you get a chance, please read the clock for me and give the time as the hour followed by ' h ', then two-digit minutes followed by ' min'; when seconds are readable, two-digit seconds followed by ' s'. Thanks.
10 h 26 min
